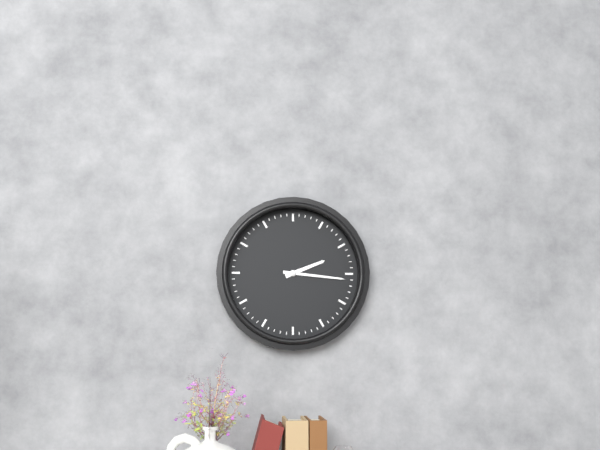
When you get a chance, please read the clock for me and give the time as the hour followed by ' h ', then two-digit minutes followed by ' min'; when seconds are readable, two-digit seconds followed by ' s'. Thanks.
2 h 16 min
